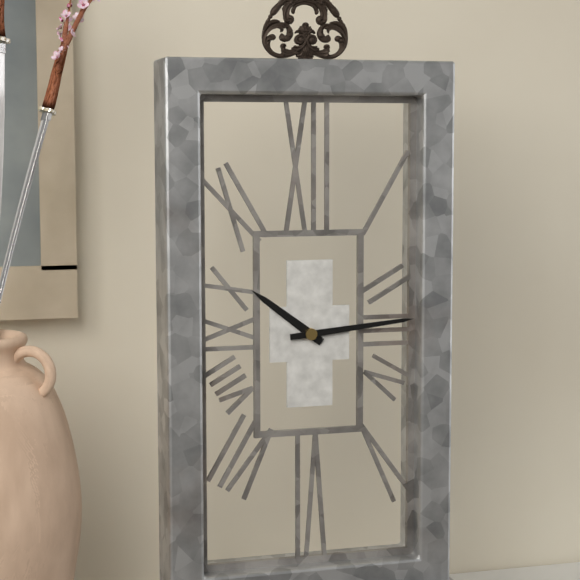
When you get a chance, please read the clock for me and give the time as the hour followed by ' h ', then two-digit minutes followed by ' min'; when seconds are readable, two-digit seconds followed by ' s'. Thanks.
10 h 14 min
